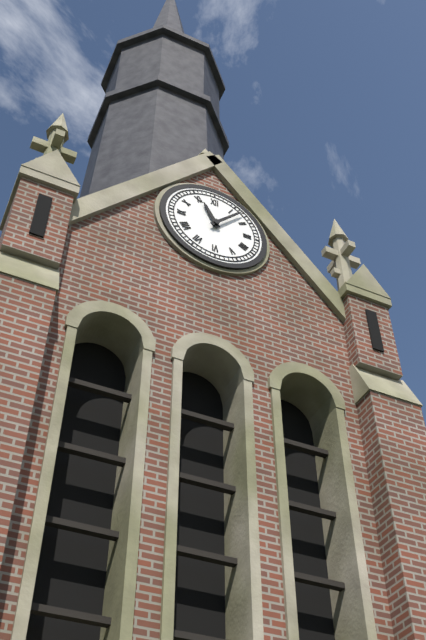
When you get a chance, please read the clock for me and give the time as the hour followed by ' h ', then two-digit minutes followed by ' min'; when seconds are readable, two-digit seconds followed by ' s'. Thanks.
11 h 07 min
